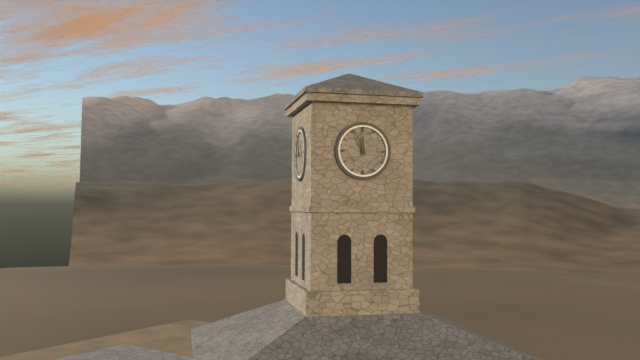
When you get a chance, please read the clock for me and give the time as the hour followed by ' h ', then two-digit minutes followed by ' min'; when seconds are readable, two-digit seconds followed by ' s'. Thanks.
11 h 56 min
